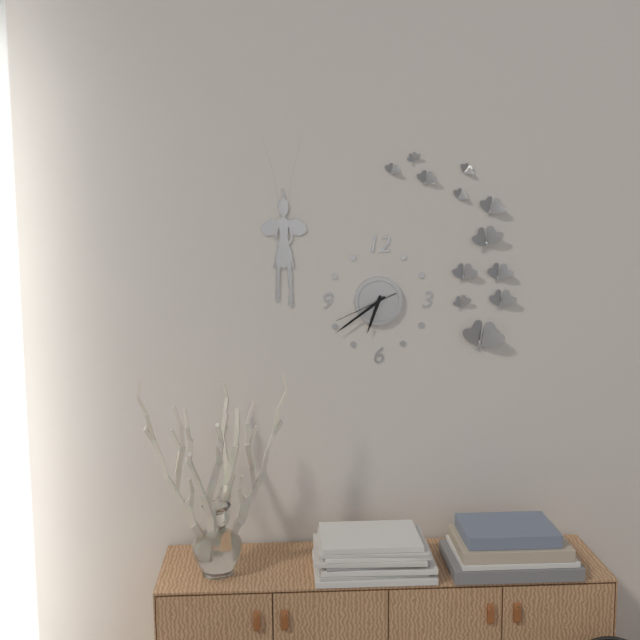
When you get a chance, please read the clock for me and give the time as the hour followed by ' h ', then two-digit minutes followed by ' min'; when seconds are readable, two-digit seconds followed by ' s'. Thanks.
6 h 39 min 41 s
